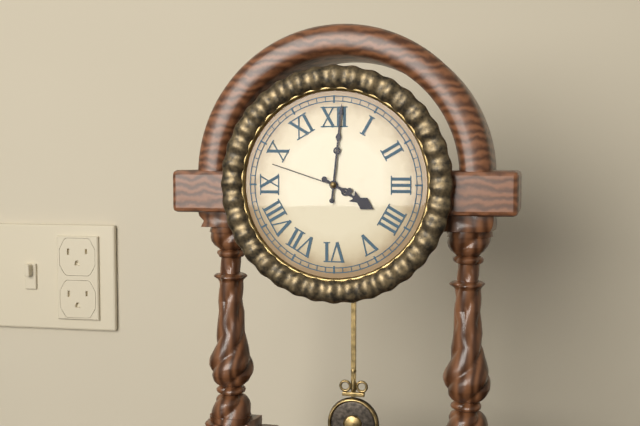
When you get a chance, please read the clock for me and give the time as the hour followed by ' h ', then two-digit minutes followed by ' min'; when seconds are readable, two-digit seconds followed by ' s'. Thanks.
4 h 01 min 48 s
